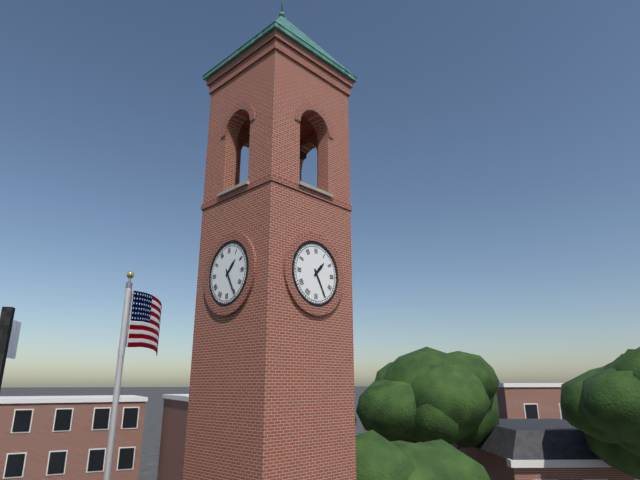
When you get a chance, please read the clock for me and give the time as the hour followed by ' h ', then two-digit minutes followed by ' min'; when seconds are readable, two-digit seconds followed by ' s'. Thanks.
1 h 25 min
